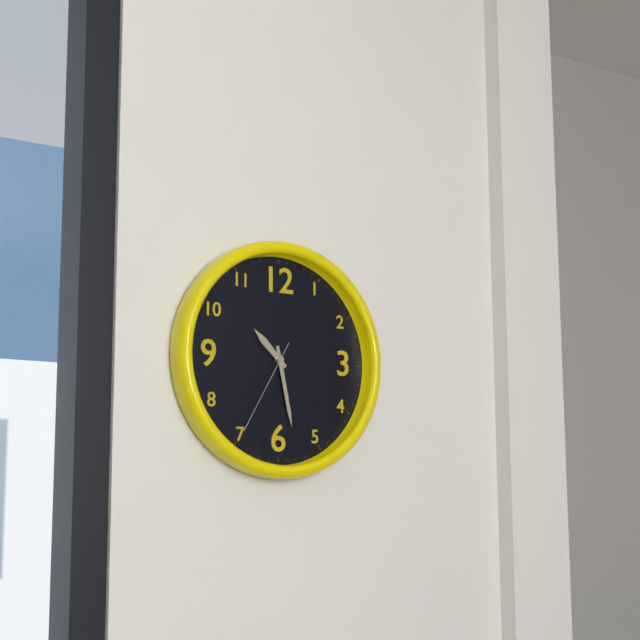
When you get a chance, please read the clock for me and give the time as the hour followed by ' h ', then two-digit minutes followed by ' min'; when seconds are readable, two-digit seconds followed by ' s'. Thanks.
10 h 28 min 35 s
